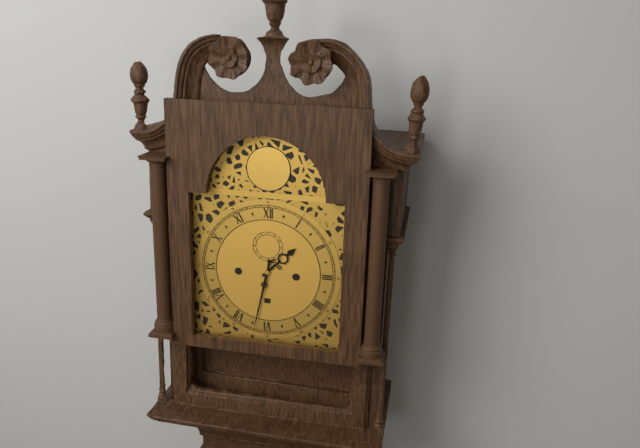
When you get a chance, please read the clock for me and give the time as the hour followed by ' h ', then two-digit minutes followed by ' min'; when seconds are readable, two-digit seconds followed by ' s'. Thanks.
1 h 32 min
